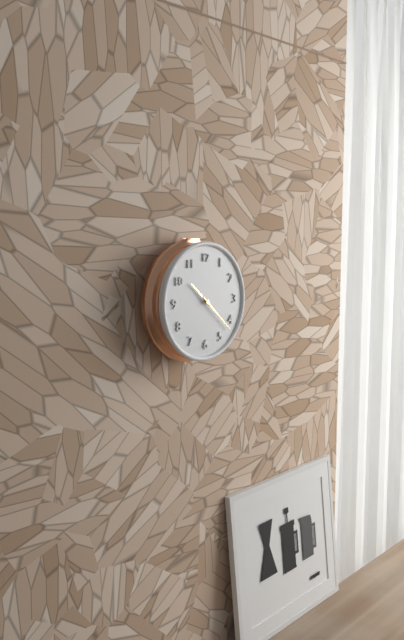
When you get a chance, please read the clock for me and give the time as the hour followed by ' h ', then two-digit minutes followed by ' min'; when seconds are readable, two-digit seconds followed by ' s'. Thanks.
10 h 22 min
